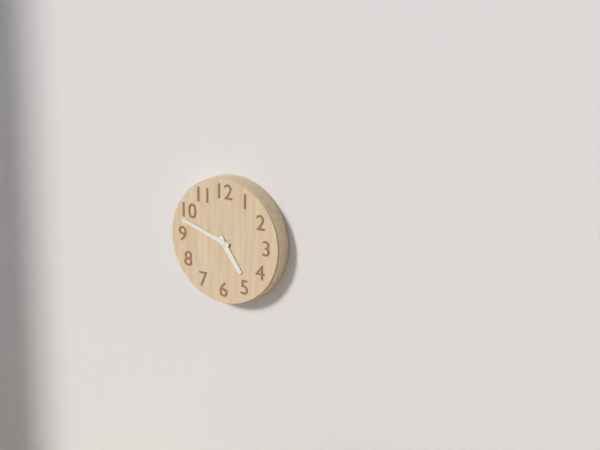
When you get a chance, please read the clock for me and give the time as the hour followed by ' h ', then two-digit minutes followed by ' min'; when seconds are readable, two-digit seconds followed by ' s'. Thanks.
4 h 48 min
